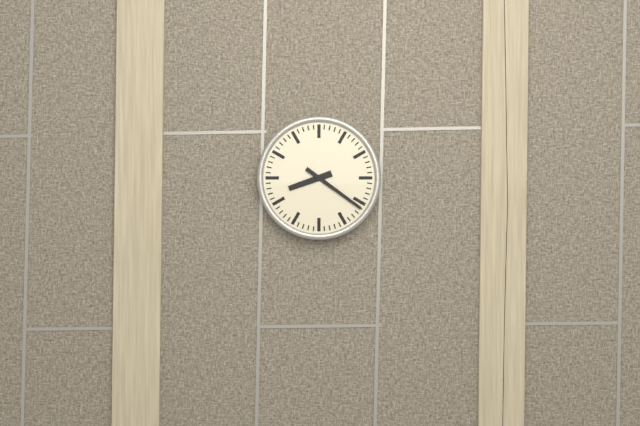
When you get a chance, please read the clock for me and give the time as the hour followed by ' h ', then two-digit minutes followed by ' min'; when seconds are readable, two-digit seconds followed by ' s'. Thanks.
8 h 21 min
